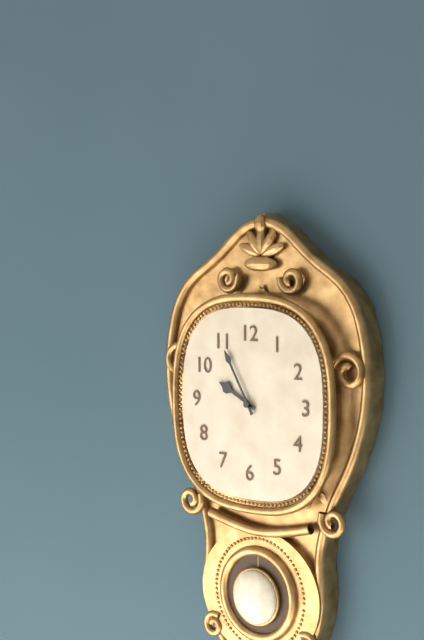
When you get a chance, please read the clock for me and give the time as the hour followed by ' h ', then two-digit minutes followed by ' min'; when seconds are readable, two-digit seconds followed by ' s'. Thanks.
9 h 55 min
